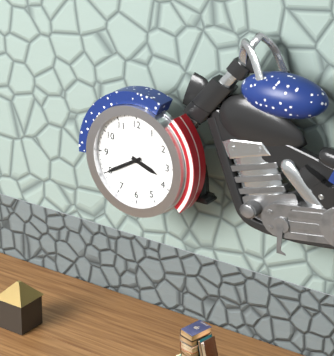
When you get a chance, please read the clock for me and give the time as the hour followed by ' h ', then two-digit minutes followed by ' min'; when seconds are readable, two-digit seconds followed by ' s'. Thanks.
3 h 40 min
